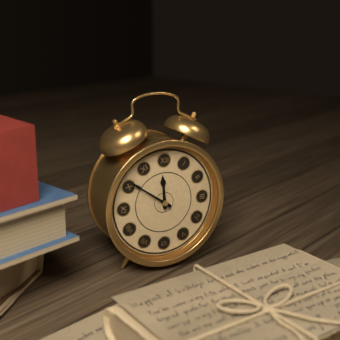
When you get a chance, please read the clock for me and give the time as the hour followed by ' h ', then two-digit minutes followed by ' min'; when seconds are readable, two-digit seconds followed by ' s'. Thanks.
11 h 51 min
